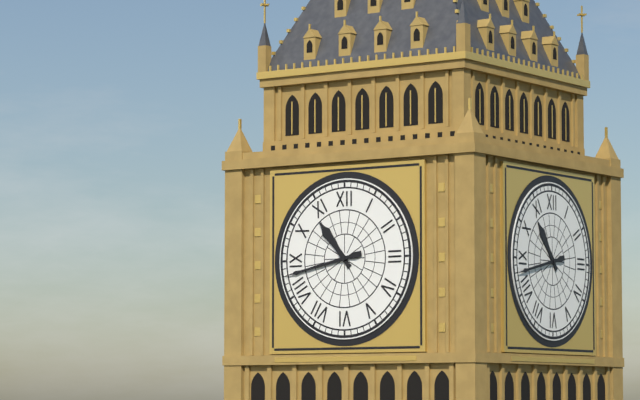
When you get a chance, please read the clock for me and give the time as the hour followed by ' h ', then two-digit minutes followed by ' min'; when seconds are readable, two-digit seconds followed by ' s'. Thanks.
10 h 43 min
